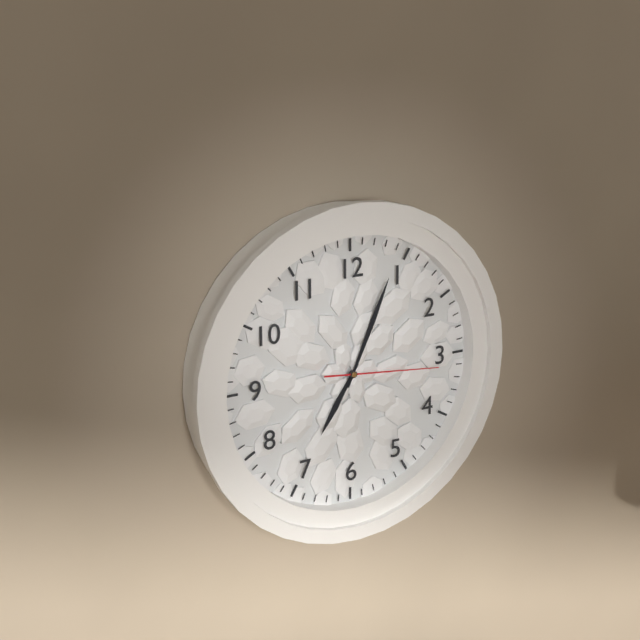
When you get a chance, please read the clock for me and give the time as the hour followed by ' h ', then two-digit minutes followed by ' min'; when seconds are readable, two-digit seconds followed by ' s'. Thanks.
7 h 04 min 16 s
